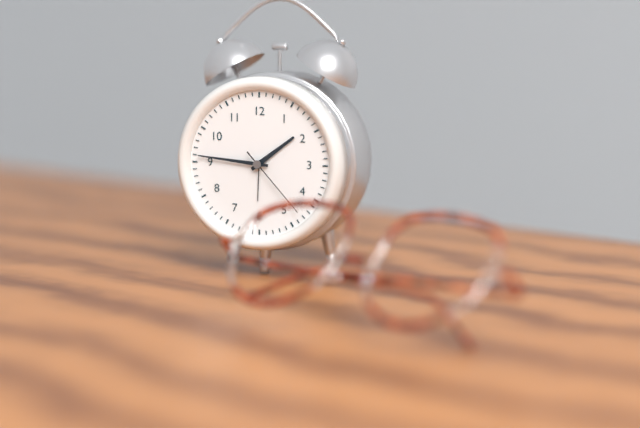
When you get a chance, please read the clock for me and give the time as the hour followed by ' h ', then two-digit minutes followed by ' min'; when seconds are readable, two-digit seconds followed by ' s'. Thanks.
1 h 46 min 23 s
